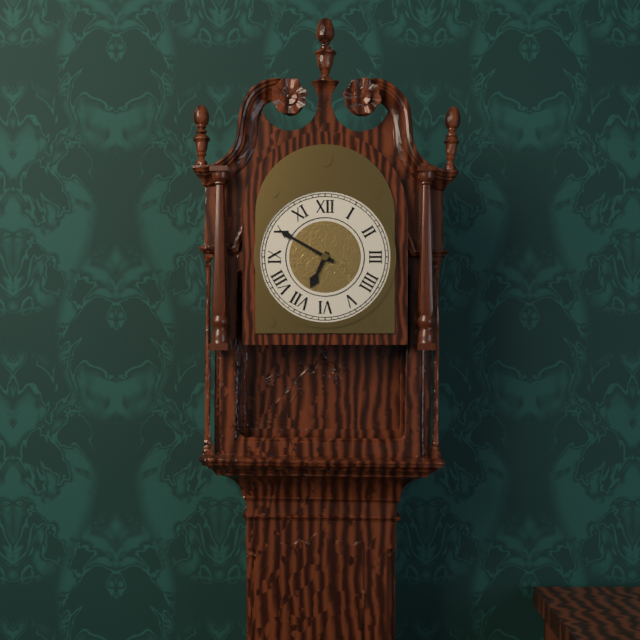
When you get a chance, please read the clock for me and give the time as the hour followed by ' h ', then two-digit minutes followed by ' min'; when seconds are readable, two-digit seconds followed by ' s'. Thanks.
6 h 50 min
